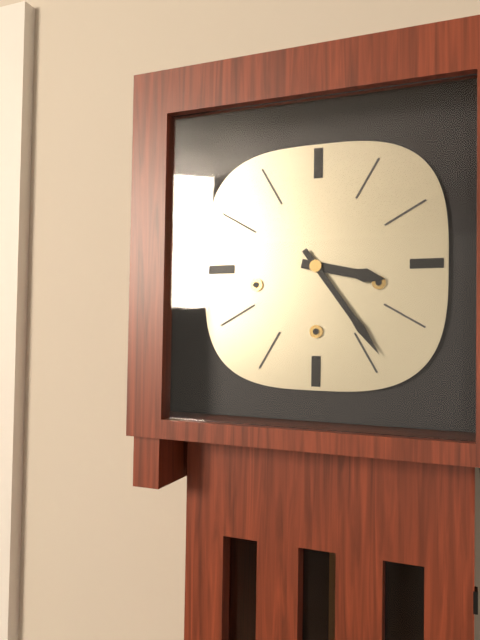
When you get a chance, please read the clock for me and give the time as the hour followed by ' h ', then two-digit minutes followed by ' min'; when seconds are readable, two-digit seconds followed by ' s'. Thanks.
3 h 24 min
